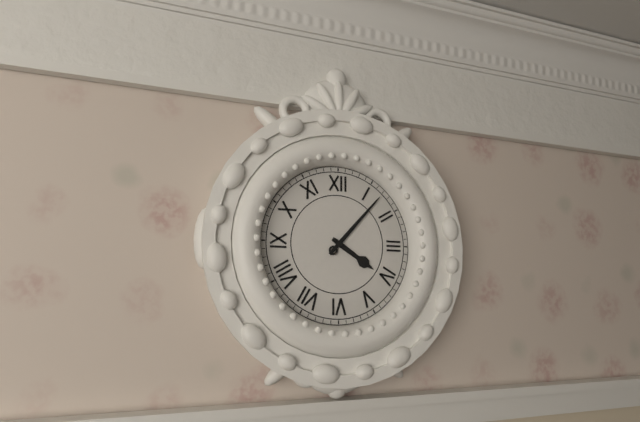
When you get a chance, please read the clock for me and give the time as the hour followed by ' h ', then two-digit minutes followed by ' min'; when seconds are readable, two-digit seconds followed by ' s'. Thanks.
4 h 07 min
